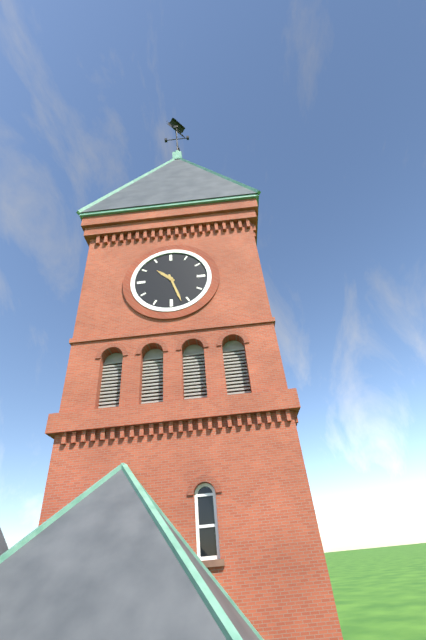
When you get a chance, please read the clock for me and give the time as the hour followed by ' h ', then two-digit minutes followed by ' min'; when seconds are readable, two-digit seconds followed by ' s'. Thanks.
10 h 27 min
